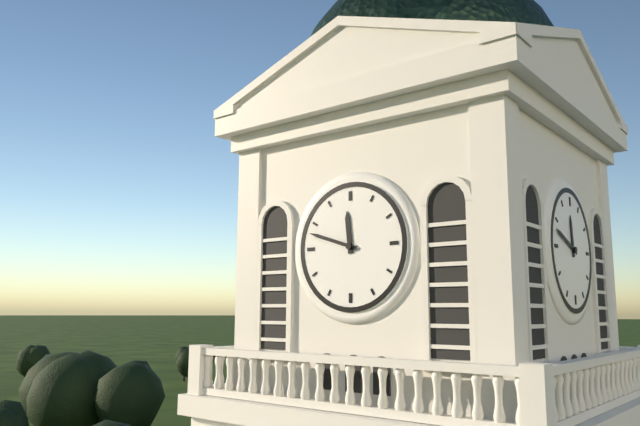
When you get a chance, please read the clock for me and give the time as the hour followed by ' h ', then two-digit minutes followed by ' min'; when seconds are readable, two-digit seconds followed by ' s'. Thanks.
11 h 48 min
